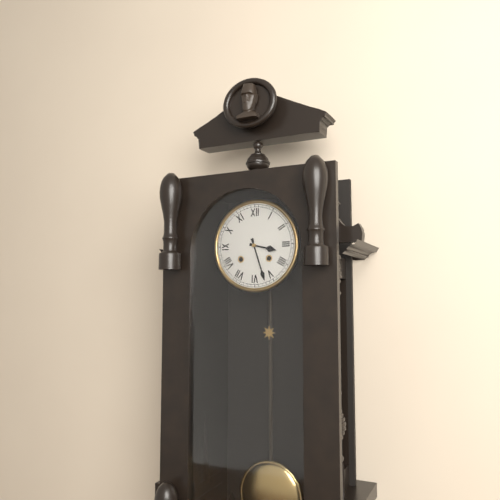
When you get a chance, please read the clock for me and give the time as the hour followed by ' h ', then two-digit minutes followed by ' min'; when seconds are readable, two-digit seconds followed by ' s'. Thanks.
3 h 27 min
